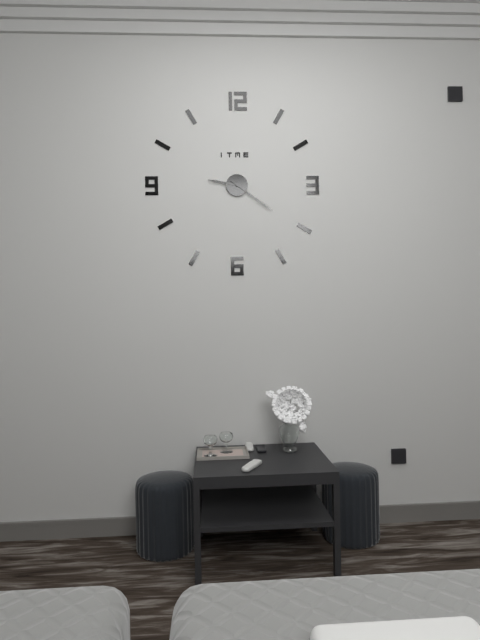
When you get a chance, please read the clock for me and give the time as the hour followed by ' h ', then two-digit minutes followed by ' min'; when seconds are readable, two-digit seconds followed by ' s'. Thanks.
9 h 21 min
